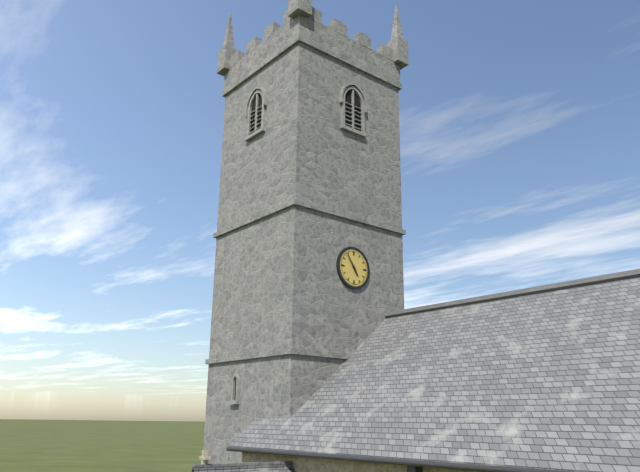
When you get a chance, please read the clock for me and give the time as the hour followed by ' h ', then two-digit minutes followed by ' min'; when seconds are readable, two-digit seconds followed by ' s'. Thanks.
4 h 54 min
